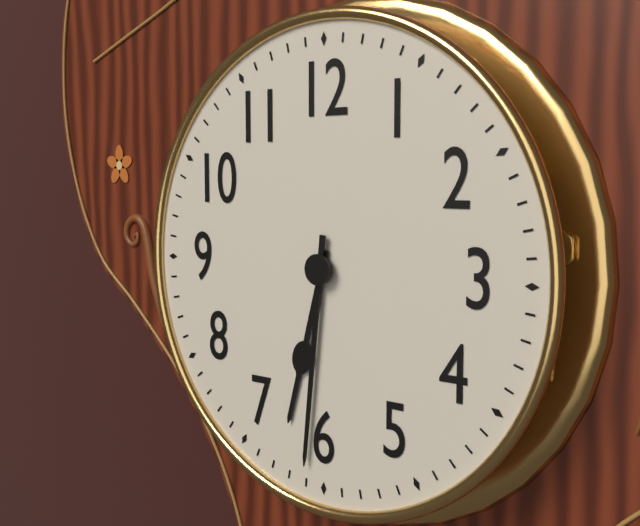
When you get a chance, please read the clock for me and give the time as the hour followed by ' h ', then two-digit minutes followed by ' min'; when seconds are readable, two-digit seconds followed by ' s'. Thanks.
6 h 31 min
